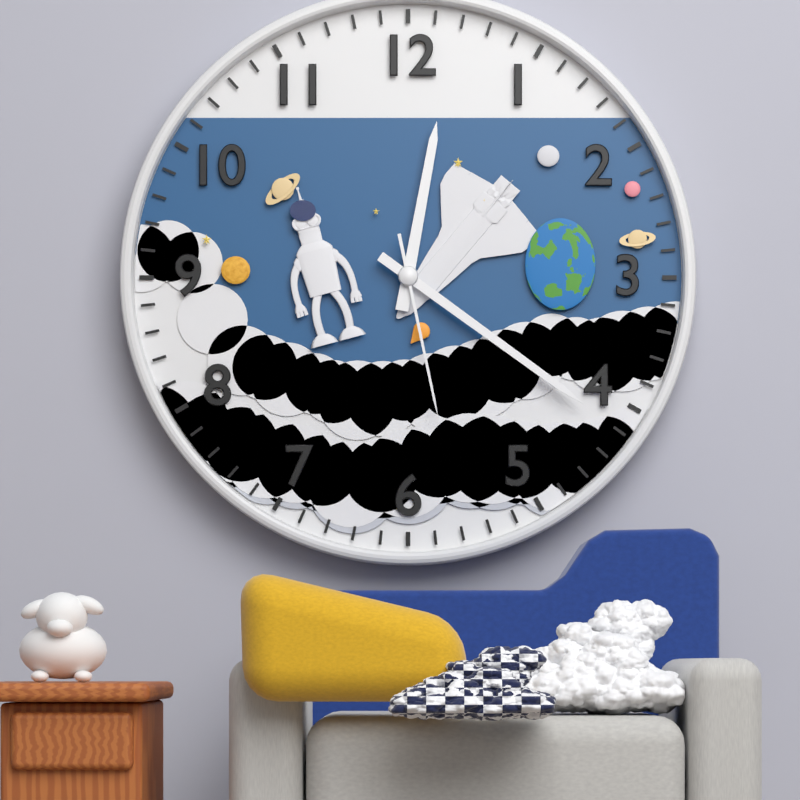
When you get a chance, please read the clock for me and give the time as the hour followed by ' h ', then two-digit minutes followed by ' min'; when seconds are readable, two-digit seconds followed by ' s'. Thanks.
12 h 21 min 28 s
